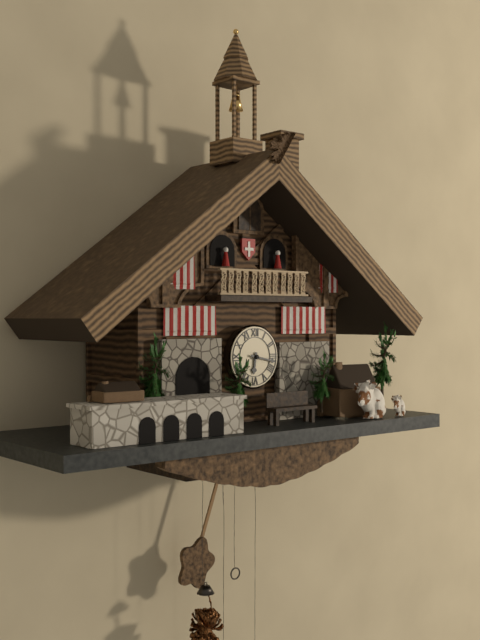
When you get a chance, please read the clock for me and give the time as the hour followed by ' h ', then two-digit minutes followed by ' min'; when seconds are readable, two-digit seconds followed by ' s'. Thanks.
6 h 17 min
